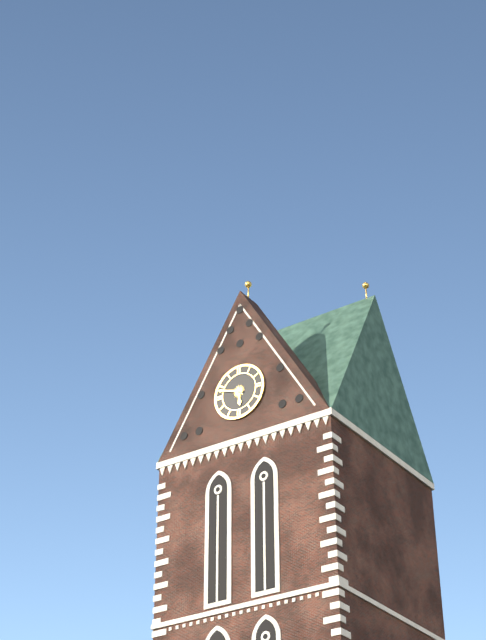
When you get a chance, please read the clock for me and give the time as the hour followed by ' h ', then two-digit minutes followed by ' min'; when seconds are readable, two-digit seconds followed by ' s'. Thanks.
5 h 48 min
